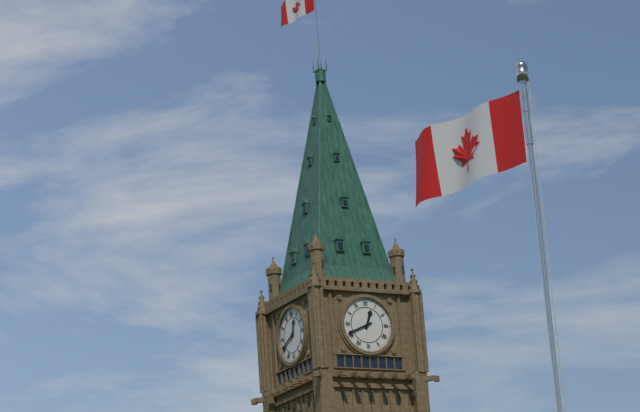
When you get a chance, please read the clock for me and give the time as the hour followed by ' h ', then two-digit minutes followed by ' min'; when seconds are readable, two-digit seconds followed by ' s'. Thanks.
12 h 41 min
